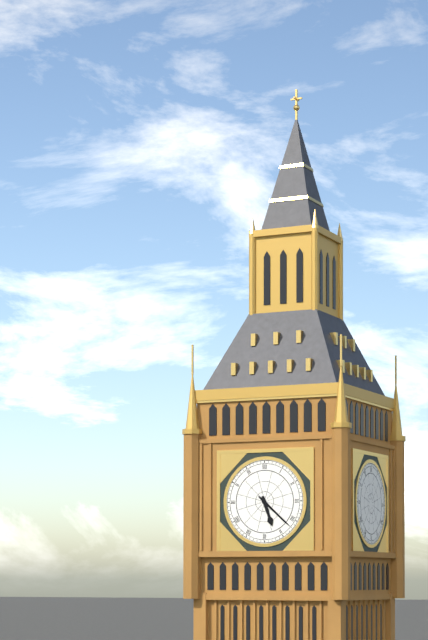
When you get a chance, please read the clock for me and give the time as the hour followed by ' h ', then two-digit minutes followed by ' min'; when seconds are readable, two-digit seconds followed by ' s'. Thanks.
5 h 22 min
